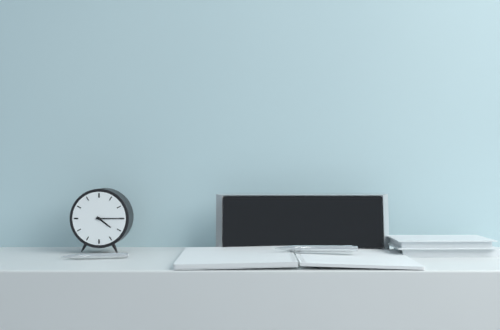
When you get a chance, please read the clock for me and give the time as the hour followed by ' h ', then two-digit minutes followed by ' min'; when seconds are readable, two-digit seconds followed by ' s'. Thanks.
4 h 15 min
